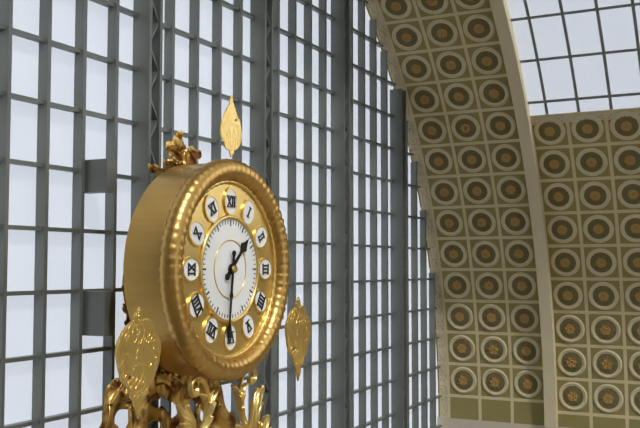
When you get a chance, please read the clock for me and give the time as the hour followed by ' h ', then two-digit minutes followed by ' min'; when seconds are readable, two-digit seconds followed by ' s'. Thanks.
1 h 31 min
